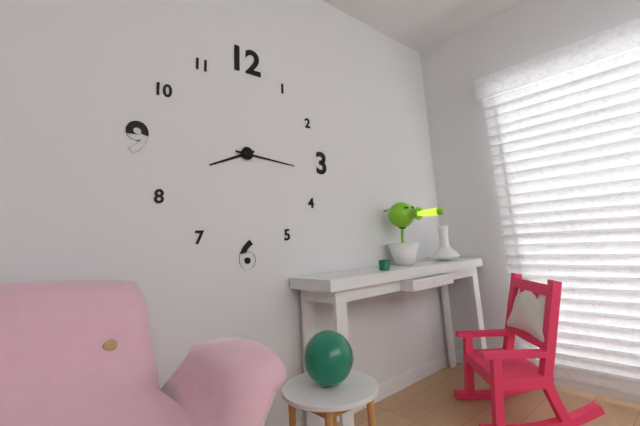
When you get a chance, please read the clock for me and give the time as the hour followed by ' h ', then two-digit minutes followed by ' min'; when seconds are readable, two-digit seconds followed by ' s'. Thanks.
8 h 16 min
